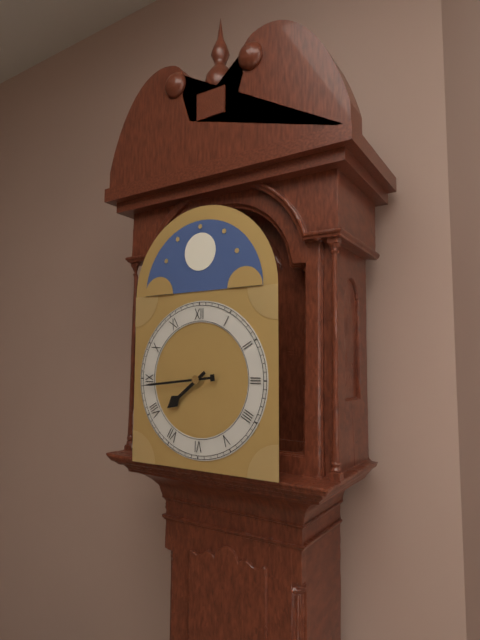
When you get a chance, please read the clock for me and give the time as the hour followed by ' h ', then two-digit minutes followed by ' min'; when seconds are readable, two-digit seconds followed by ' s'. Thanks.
7 h 44 min
